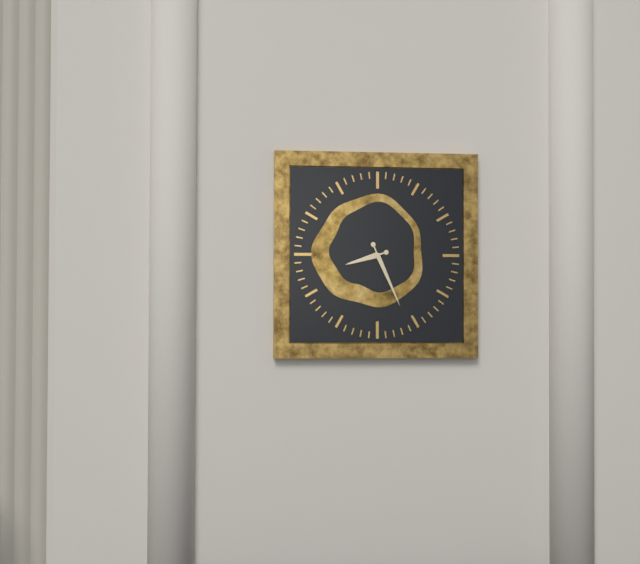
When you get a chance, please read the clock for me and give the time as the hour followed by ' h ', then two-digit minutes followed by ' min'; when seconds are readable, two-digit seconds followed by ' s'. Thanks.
8 h 26 min
